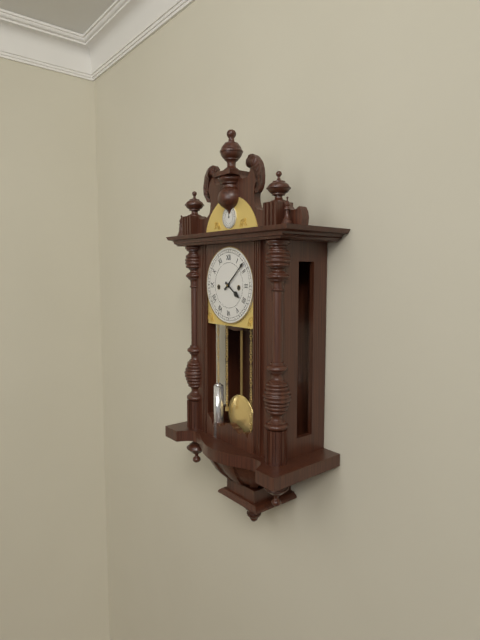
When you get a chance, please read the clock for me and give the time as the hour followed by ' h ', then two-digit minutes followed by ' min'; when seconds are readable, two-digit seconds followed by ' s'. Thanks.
4 h 08 min
